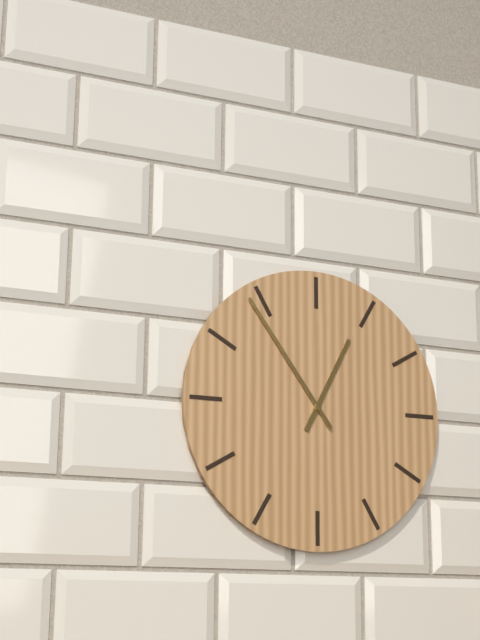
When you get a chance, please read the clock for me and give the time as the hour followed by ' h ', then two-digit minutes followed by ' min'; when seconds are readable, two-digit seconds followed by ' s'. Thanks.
12 h 54 min
